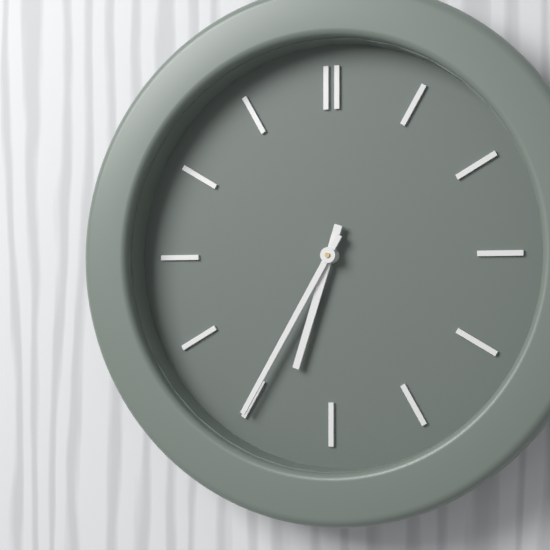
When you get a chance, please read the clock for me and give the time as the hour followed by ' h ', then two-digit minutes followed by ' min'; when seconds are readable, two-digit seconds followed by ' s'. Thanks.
6 h 35 min
